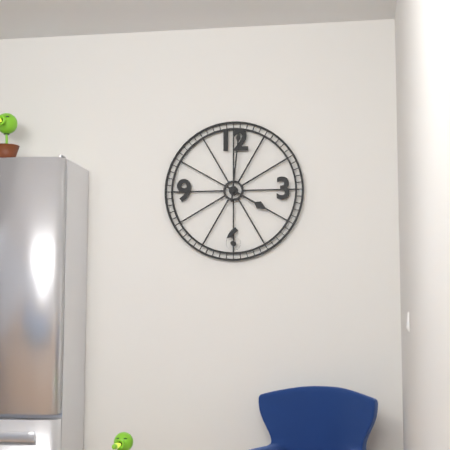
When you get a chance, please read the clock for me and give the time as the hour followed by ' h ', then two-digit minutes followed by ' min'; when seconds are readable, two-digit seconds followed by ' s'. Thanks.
4 h 01 min
